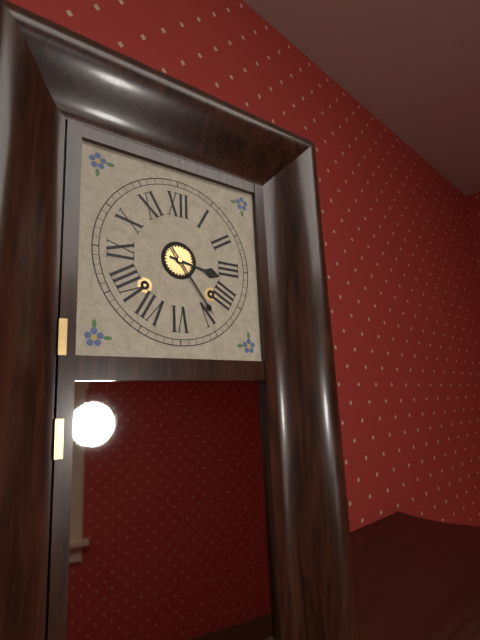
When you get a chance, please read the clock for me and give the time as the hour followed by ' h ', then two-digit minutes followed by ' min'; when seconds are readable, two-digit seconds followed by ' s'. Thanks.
3 h 24 min
